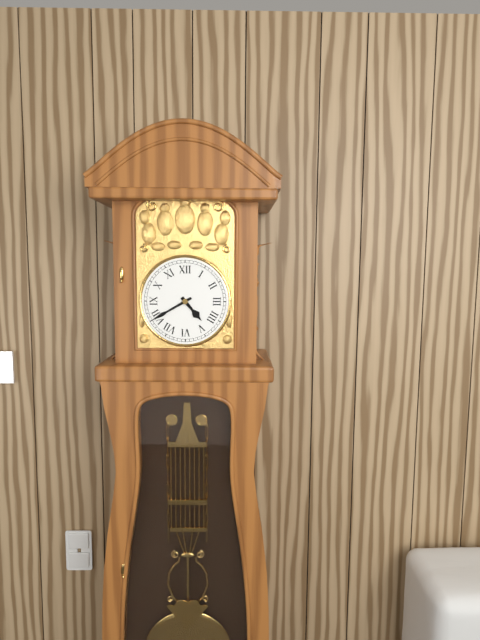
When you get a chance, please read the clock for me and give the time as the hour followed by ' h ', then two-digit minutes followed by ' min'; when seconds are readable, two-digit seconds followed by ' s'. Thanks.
4 h 40 min
